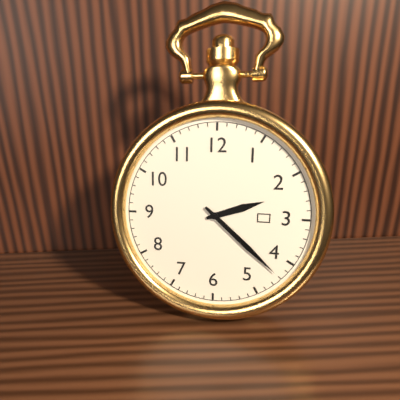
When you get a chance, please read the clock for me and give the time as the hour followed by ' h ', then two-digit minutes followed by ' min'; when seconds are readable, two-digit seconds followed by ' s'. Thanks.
2 h 22 min
